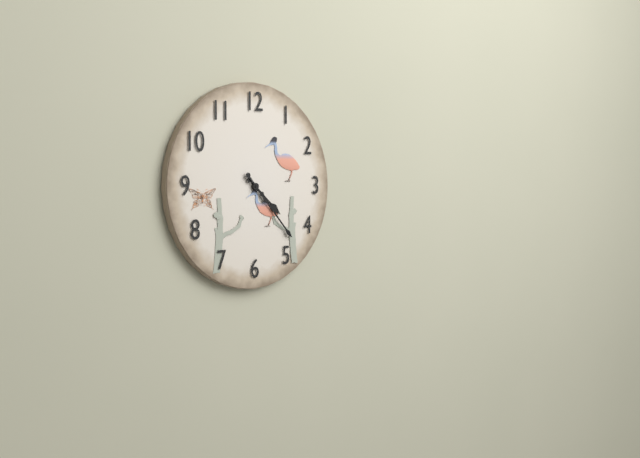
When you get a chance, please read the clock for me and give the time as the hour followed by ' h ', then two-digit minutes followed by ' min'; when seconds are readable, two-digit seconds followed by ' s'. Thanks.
4 h 23 min
